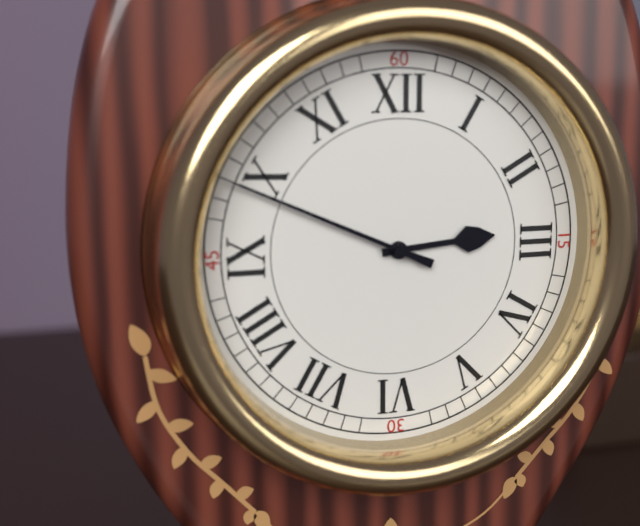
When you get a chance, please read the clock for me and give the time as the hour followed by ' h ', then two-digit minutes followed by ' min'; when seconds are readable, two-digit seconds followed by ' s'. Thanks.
2 h 49 min
